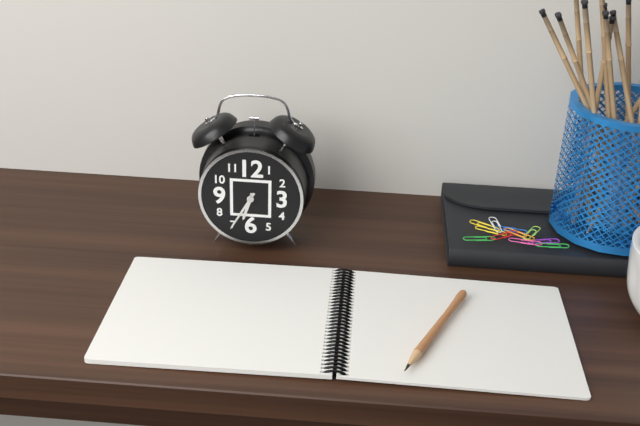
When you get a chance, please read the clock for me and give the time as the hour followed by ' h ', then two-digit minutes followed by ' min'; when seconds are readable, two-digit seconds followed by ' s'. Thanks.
6 h 35 min
